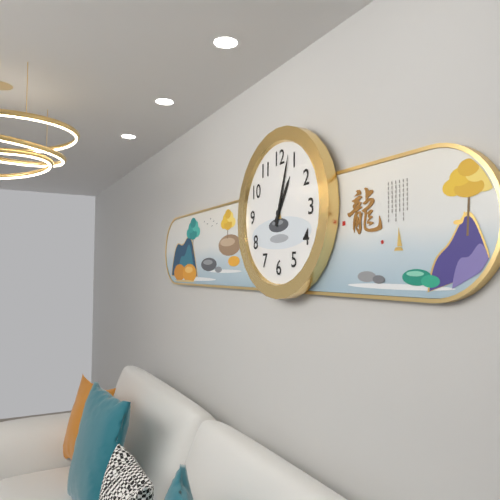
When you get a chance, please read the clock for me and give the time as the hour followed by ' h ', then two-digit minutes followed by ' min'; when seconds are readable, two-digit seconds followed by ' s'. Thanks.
1 h 03 min
